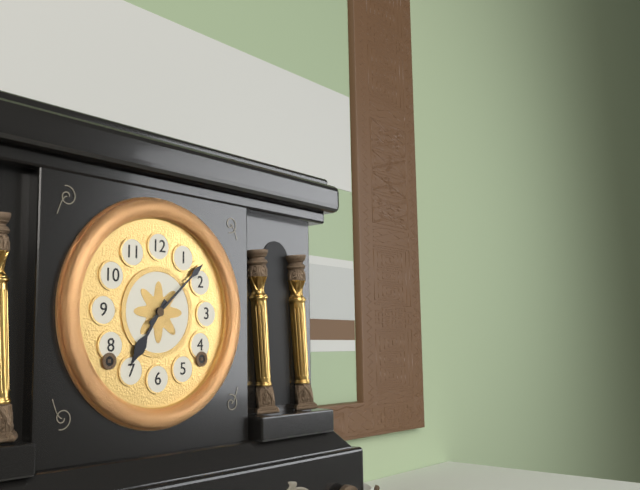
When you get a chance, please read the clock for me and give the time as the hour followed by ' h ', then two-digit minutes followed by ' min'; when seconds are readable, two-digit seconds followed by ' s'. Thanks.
7 h 08 min
